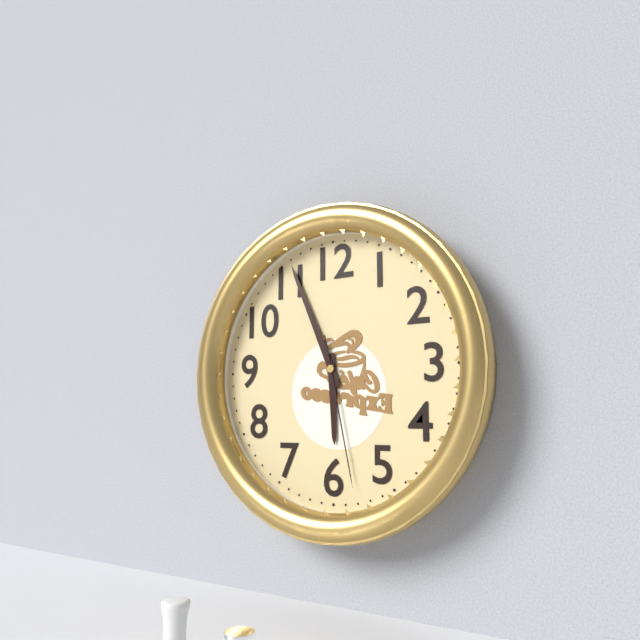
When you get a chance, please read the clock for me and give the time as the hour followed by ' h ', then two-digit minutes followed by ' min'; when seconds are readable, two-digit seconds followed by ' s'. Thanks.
5 h 56 min 28 s
